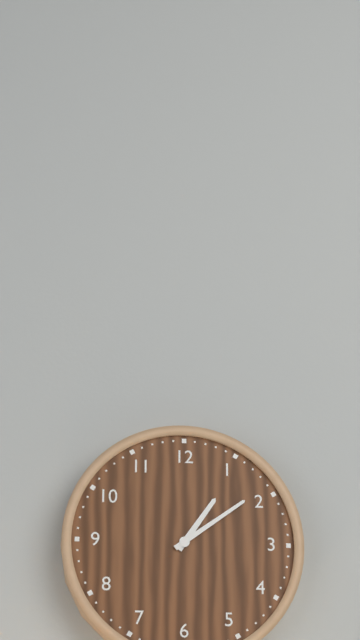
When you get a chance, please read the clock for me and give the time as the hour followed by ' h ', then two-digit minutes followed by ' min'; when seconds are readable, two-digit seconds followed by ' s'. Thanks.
1 h 09 min
